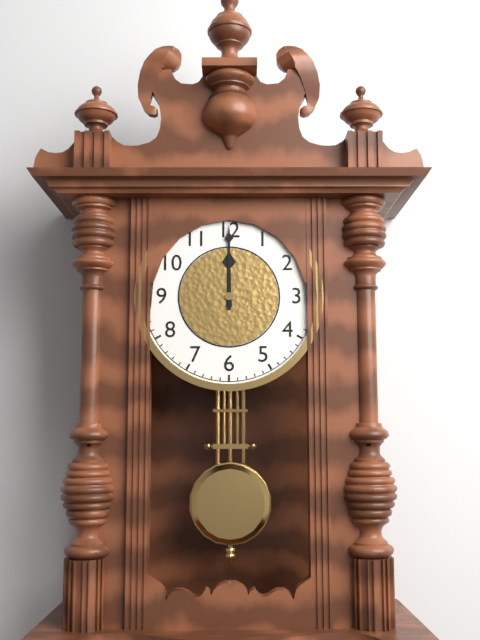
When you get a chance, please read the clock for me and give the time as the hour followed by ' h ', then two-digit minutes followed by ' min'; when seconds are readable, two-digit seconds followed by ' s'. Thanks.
12 h 00 min
